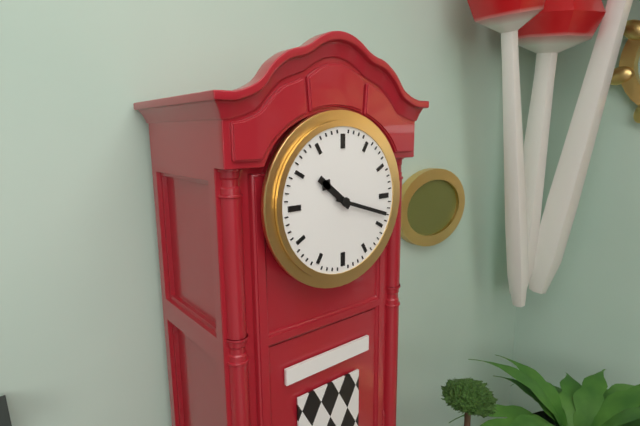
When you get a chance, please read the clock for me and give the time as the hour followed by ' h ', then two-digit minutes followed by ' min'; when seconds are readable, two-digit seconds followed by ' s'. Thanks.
10 h 18 min
